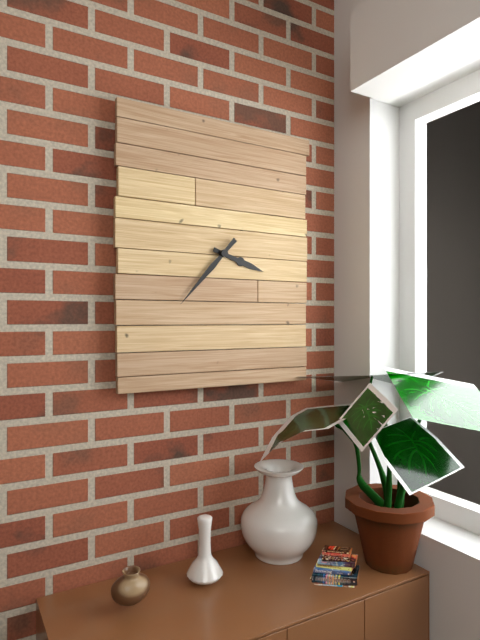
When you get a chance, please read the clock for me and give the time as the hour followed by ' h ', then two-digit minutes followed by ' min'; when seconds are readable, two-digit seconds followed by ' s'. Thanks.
3 h 37 min
